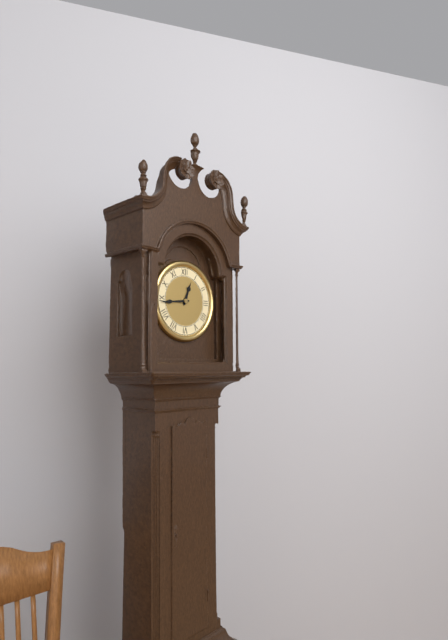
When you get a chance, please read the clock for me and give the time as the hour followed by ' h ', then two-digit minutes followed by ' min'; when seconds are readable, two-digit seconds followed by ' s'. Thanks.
12 h 44 min
